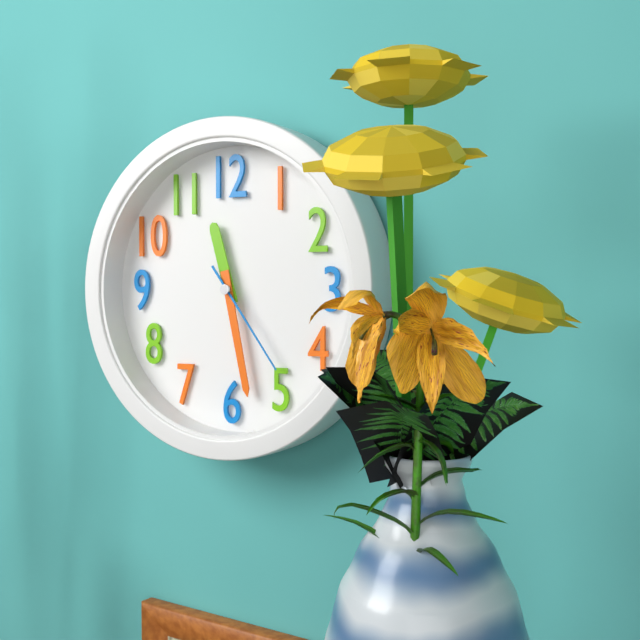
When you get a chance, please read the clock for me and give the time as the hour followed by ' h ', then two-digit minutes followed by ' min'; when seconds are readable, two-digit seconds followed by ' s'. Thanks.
11 h 28 min 24 s
